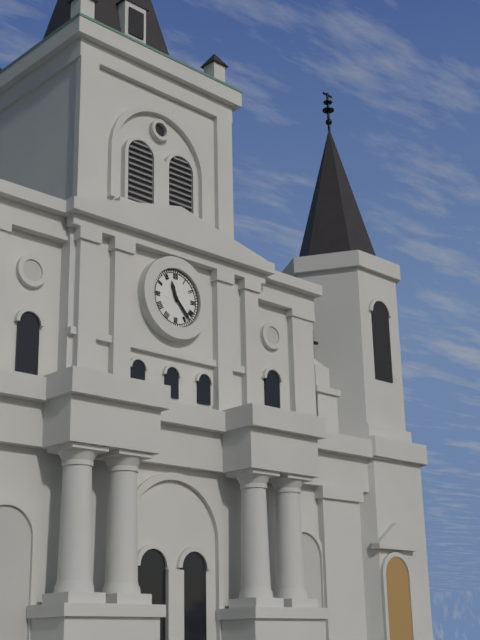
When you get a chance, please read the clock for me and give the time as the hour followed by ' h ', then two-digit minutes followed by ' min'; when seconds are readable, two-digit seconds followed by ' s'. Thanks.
11 h 23 min
